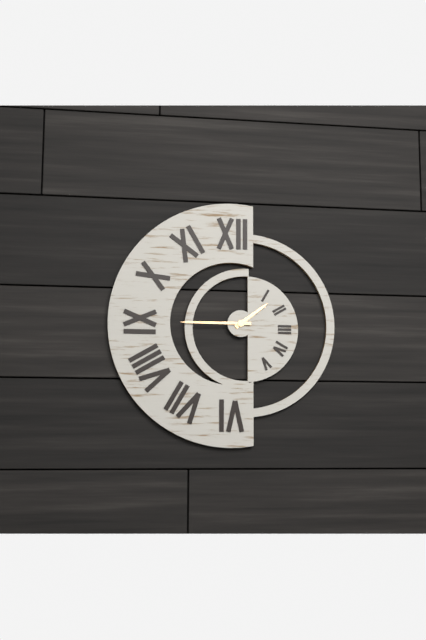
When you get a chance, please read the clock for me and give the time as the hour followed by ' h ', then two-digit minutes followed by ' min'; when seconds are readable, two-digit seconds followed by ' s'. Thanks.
1 h 45 min
